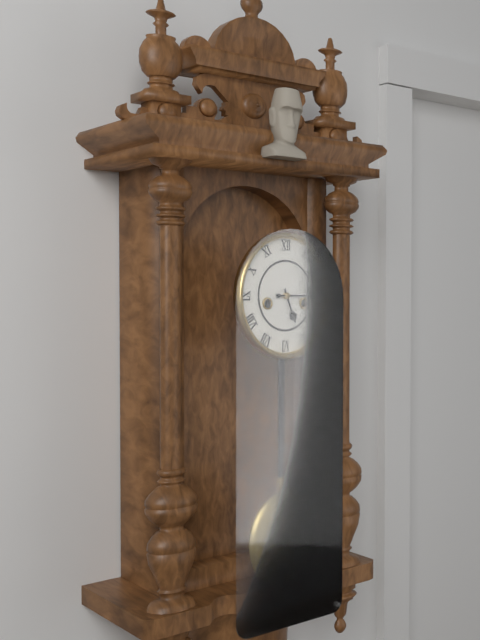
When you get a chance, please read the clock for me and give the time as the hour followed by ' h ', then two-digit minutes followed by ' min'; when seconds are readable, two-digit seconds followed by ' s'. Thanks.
5 h 15 min
